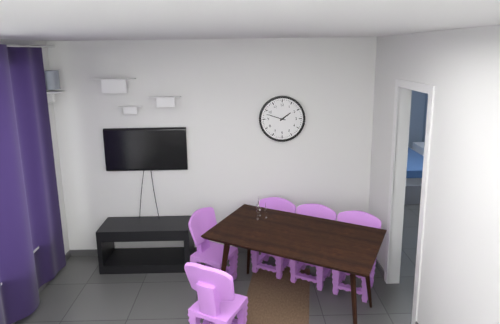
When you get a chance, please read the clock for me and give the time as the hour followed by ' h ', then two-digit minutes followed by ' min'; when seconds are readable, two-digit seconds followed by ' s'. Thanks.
1 h 48 min
